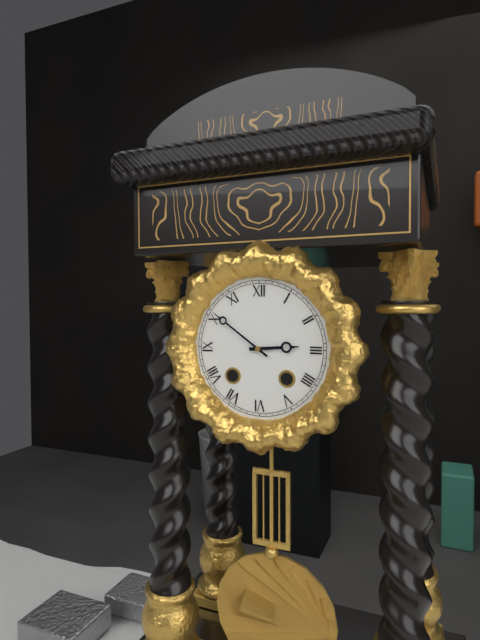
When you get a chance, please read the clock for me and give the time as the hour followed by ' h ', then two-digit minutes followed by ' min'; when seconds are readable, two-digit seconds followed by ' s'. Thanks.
2 h 51 min
